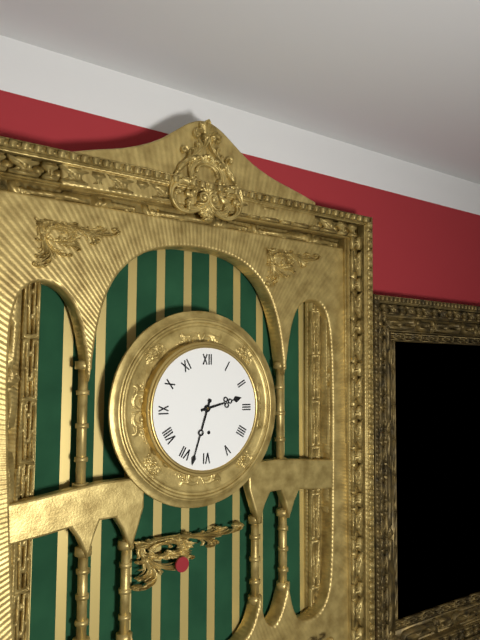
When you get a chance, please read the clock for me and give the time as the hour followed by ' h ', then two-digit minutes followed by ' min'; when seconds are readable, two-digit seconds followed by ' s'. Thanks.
2 h 33 min
